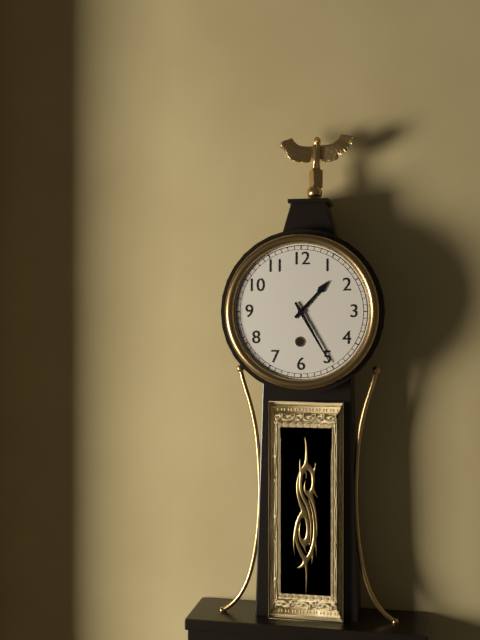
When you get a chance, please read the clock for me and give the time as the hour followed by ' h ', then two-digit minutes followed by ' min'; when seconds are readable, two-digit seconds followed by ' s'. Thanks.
1 h 25 min
